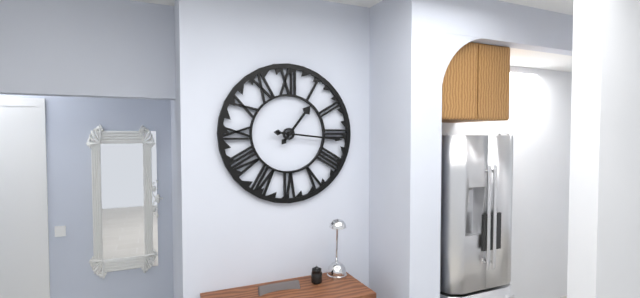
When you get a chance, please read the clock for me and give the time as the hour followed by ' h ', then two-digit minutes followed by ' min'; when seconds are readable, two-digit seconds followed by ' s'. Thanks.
1 h 16 min
